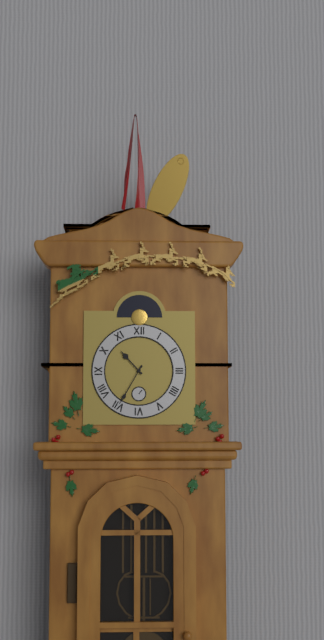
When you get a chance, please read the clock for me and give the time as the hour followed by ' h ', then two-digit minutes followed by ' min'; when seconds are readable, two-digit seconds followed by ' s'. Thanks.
10 h 35 min
